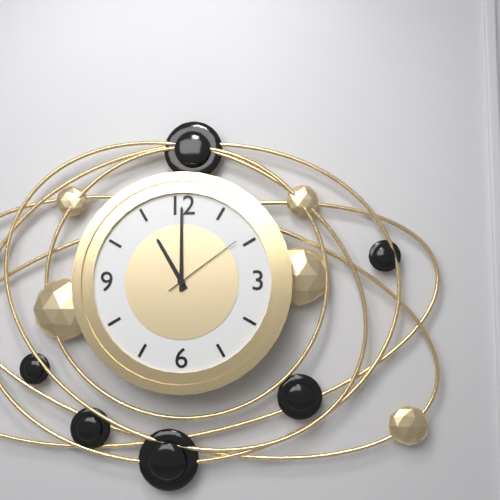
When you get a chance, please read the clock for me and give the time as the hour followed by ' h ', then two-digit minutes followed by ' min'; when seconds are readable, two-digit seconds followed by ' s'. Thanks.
11 h 00 min 09 s
